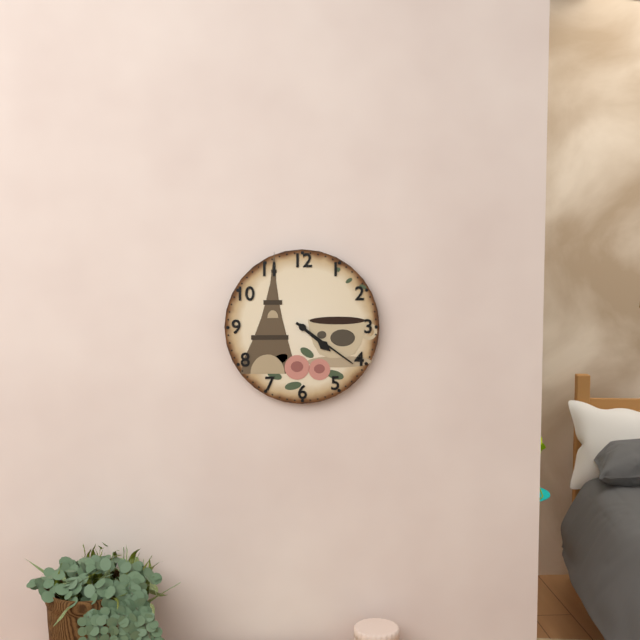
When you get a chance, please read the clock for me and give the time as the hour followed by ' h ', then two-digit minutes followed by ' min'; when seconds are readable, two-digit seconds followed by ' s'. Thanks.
4 h 21 min
